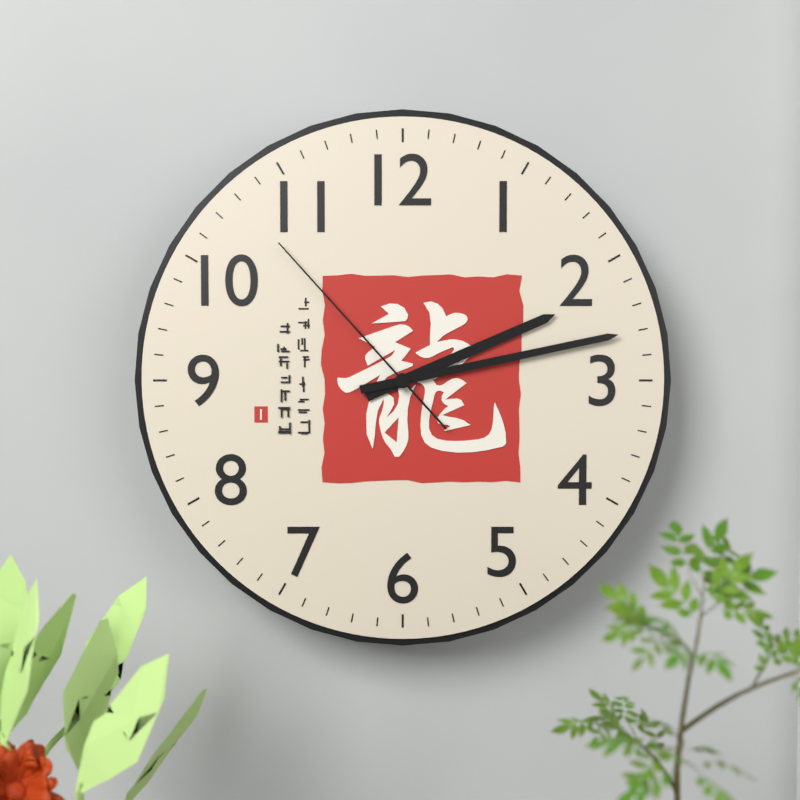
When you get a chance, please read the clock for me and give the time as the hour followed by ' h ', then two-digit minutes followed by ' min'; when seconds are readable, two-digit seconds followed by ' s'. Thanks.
2 h 13 min 53 s
